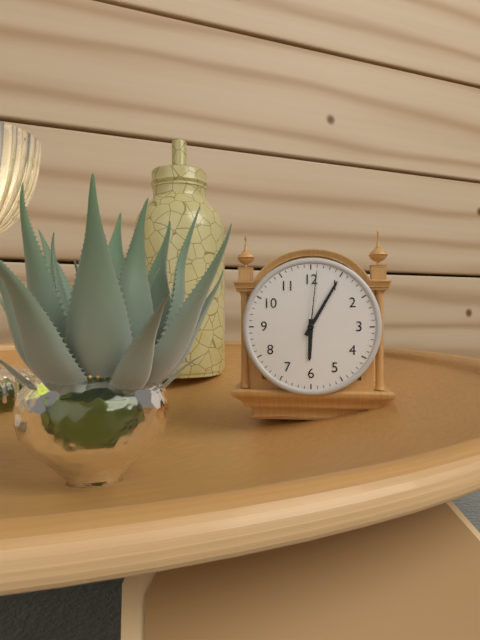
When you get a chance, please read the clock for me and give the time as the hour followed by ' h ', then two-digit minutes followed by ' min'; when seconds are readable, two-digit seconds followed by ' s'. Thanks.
6 h 05 min 01 s
